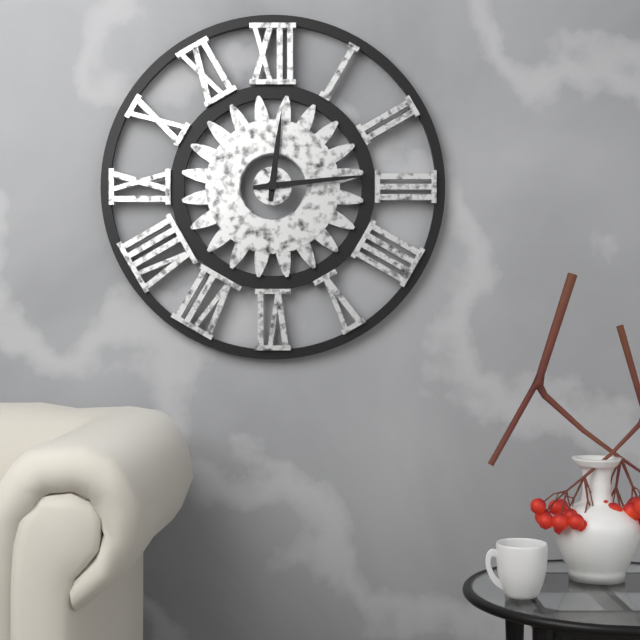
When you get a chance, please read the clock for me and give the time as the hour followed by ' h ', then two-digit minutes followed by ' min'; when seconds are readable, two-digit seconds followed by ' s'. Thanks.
12 h 14 min
